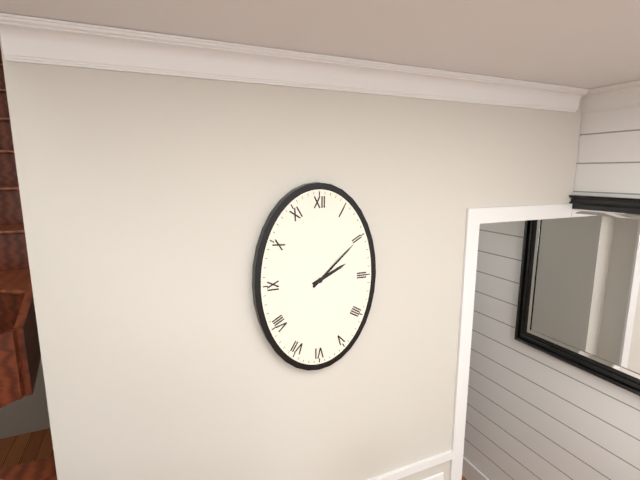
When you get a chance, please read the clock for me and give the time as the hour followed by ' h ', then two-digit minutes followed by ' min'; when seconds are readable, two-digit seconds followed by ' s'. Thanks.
2 h 08 min
